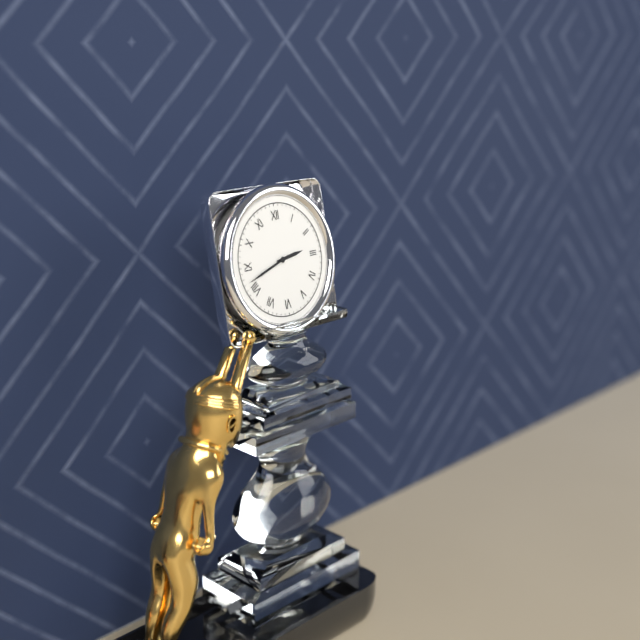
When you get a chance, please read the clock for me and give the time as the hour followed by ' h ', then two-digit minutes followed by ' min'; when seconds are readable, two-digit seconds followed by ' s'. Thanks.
2 h 42 min
